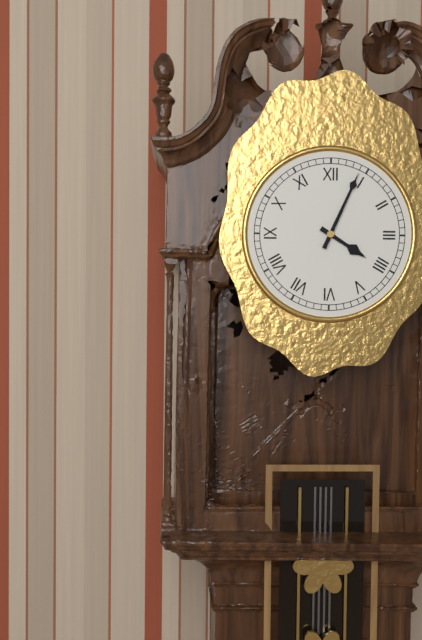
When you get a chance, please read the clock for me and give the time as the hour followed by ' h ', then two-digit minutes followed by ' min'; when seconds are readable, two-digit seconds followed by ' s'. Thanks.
4 h 04 min
